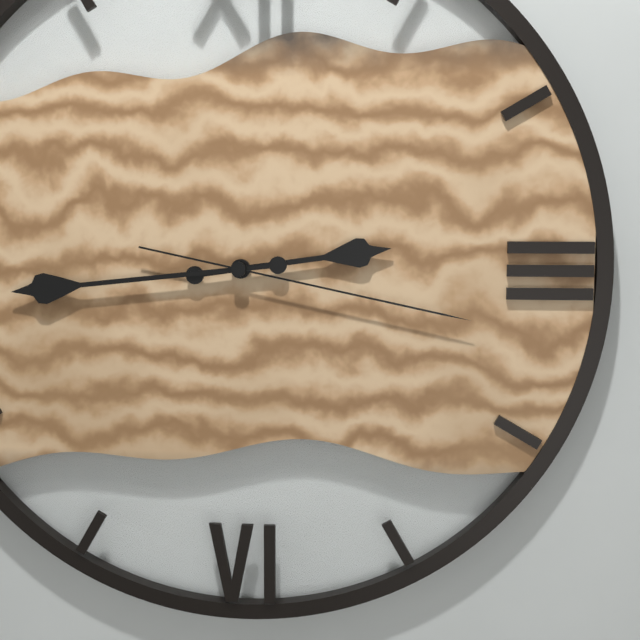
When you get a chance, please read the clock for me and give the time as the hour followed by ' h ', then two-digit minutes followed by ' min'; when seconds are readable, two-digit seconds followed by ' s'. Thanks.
2 h 44 min 17 s
